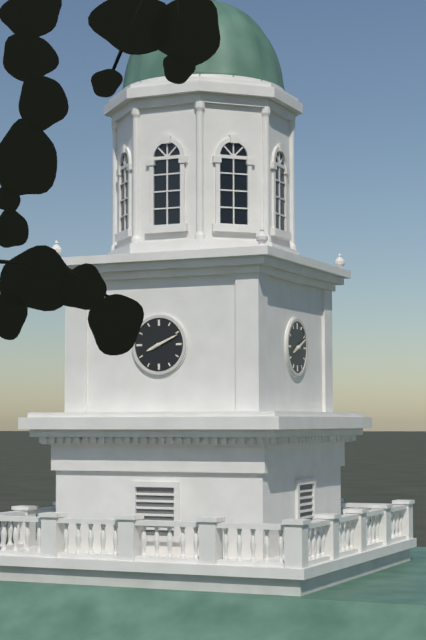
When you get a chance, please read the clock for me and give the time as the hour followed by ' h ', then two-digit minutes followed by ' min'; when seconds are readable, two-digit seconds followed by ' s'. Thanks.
8 h 11 min
